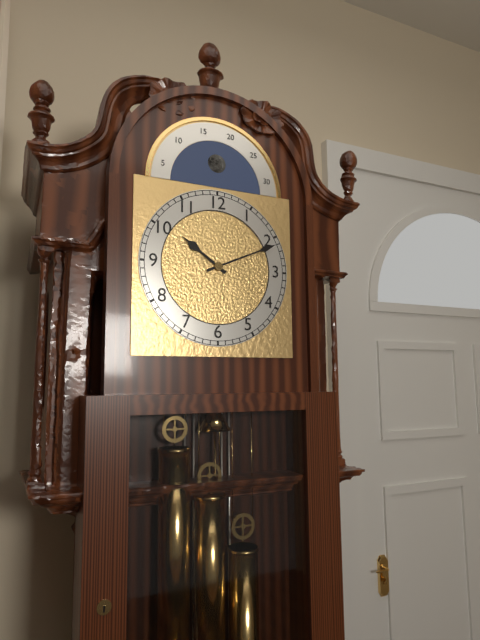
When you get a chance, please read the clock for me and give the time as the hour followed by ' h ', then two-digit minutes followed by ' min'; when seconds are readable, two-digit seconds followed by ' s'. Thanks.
10 h 11 min
